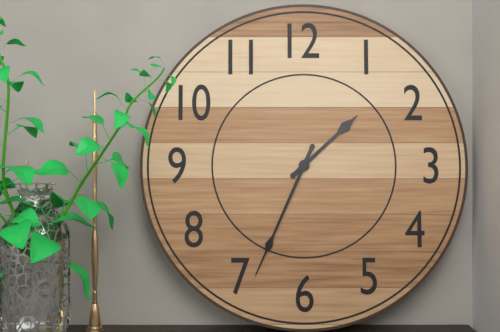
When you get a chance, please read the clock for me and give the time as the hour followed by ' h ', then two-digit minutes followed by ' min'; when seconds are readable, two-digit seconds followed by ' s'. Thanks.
1 h 34 min
